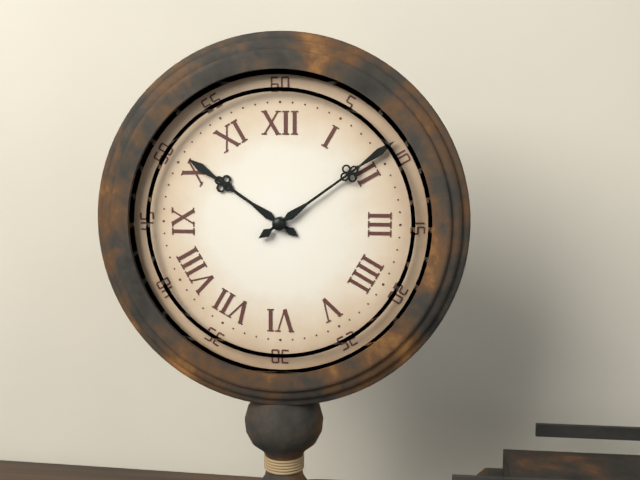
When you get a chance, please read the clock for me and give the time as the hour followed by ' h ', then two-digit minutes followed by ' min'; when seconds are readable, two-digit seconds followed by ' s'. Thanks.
10 h 09 min
